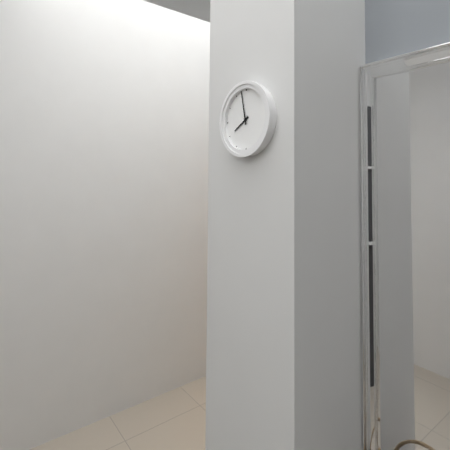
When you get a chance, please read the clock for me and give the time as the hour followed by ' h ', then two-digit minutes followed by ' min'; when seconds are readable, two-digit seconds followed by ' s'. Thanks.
7 h 58 min
